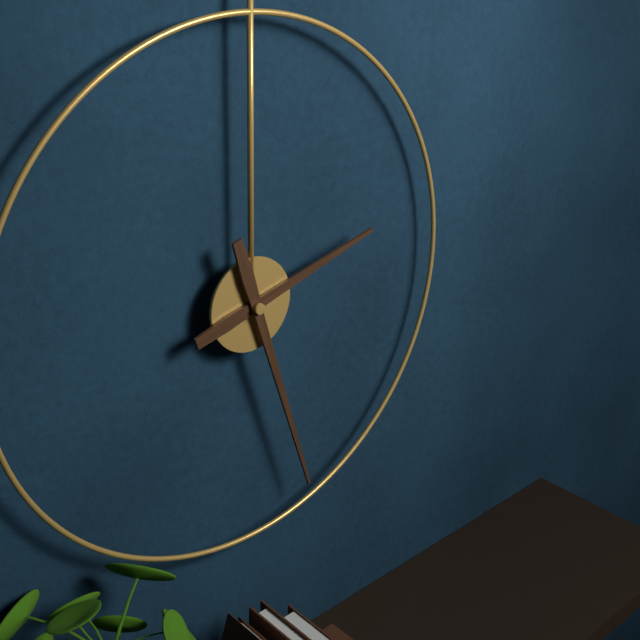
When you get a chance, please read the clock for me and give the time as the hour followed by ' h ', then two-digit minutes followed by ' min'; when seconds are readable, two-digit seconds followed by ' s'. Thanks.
2 h 27 min
